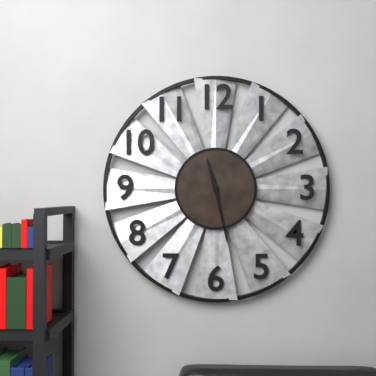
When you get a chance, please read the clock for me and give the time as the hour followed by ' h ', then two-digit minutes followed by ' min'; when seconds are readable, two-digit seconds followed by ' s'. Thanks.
11 h 28 min
